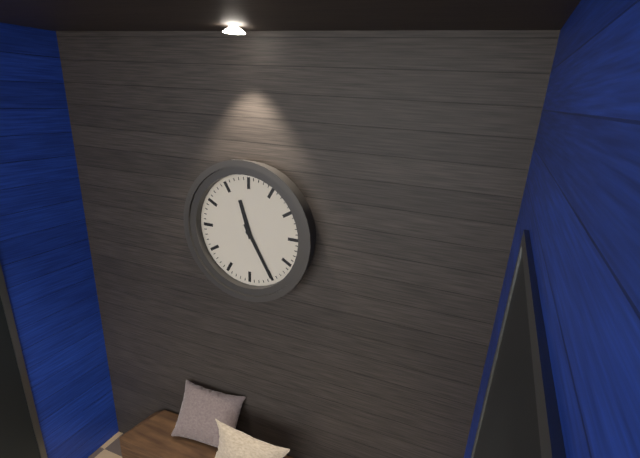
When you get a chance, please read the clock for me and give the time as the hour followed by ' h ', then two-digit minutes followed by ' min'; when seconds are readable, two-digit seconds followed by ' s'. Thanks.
11 h 25 min
